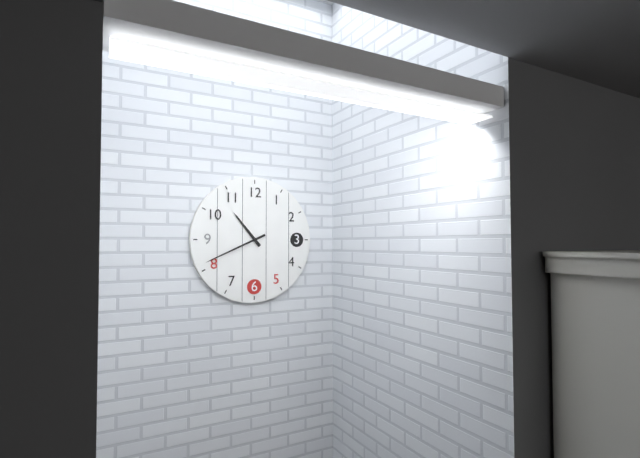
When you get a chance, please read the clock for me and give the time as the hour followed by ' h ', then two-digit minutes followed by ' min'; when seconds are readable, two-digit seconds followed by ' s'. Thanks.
10 h 41 min
